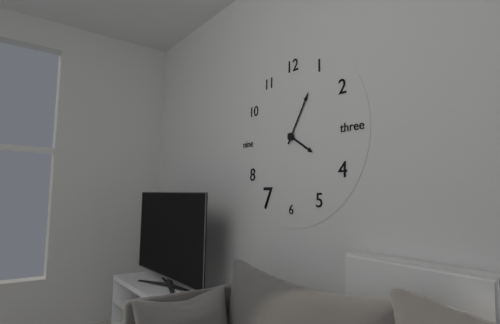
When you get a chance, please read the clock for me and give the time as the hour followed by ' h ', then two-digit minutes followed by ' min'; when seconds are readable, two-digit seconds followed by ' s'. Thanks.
4 h 05 min
